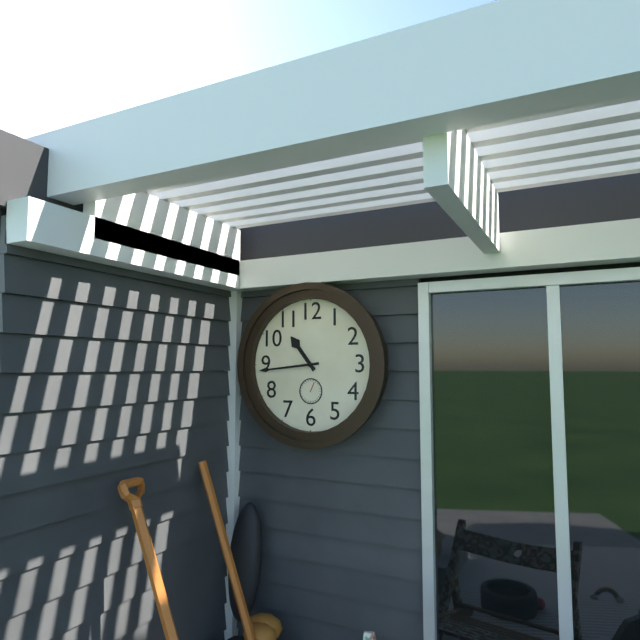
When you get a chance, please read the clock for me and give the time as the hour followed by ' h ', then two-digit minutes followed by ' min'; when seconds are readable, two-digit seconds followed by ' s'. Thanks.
10 h 44 min
